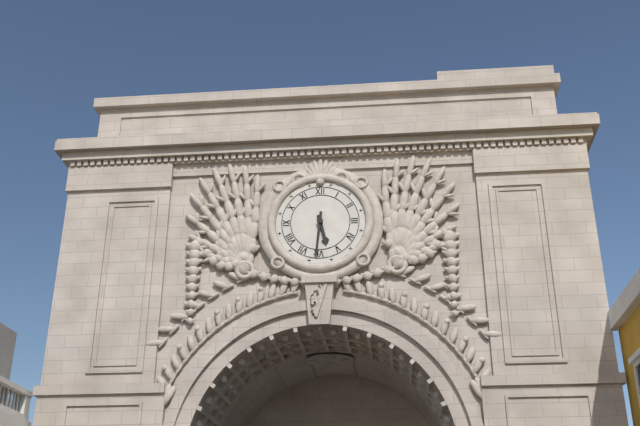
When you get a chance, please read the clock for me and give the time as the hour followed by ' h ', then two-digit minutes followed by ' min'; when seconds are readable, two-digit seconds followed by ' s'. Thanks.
5 h 31 min
